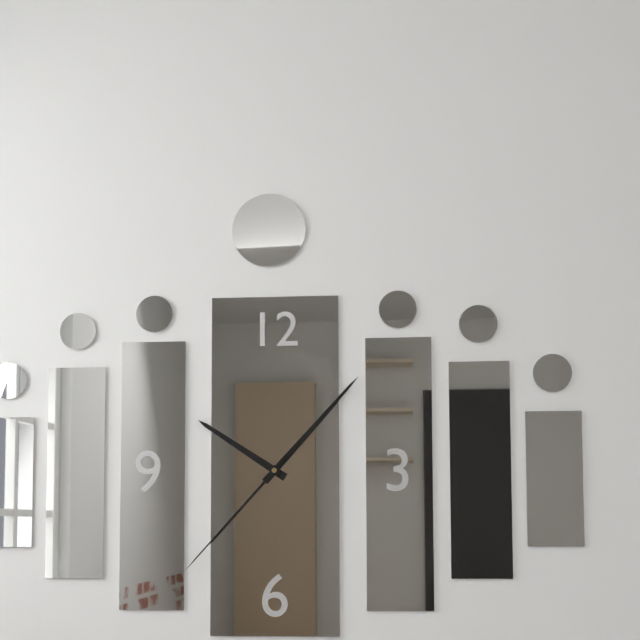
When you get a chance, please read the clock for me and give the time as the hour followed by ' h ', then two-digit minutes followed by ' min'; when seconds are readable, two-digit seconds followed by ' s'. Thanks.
10 h 07 min 37 s
